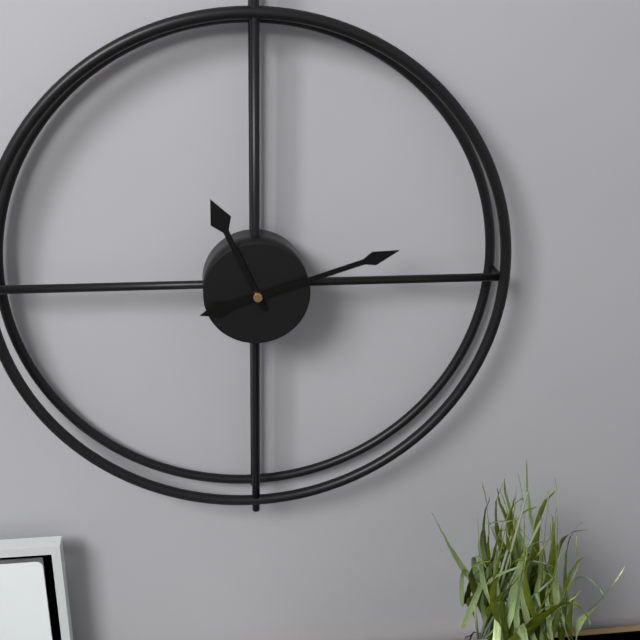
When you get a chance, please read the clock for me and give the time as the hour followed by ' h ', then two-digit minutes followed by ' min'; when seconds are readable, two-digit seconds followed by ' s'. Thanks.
11 h 12 min
